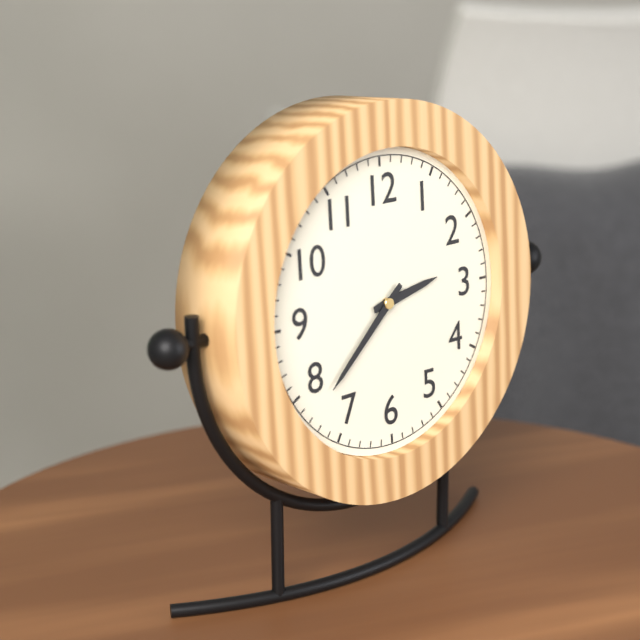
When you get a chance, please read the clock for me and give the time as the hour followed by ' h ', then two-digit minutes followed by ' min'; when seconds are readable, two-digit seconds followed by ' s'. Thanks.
2 h 38 min
